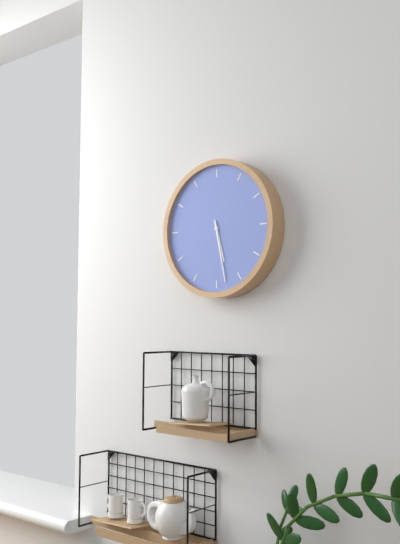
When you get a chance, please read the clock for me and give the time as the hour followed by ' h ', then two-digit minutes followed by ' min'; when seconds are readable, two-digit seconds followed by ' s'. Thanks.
5 h 28 min
